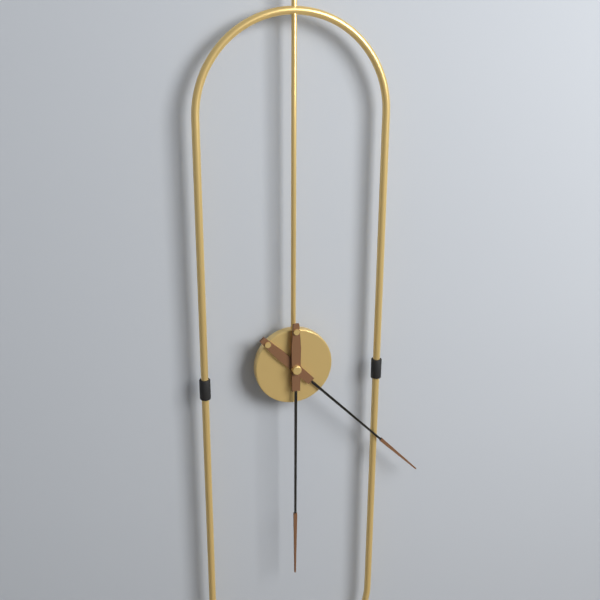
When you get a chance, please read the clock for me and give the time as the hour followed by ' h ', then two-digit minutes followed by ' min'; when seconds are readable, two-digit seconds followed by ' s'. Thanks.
4 h 30 min
